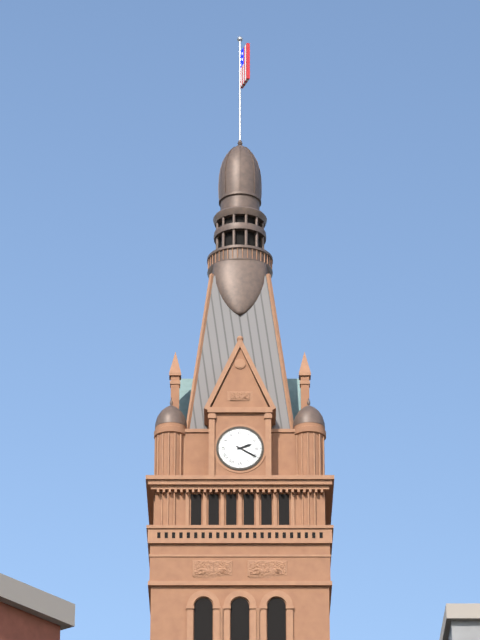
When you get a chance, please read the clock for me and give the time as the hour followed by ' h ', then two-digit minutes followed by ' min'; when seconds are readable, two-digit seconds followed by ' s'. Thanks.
2 h 20 min
